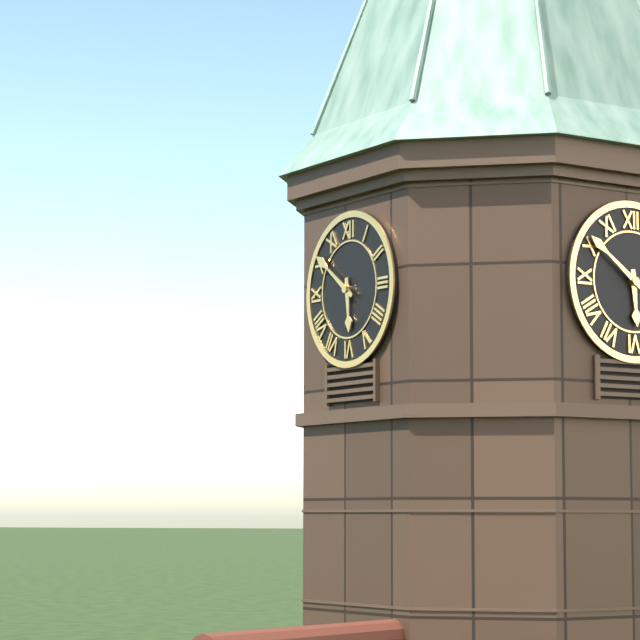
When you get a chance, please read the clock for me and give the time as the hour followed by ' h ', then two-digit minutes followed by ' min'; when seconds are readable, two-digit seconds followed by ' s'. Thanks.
5 h 51 min
